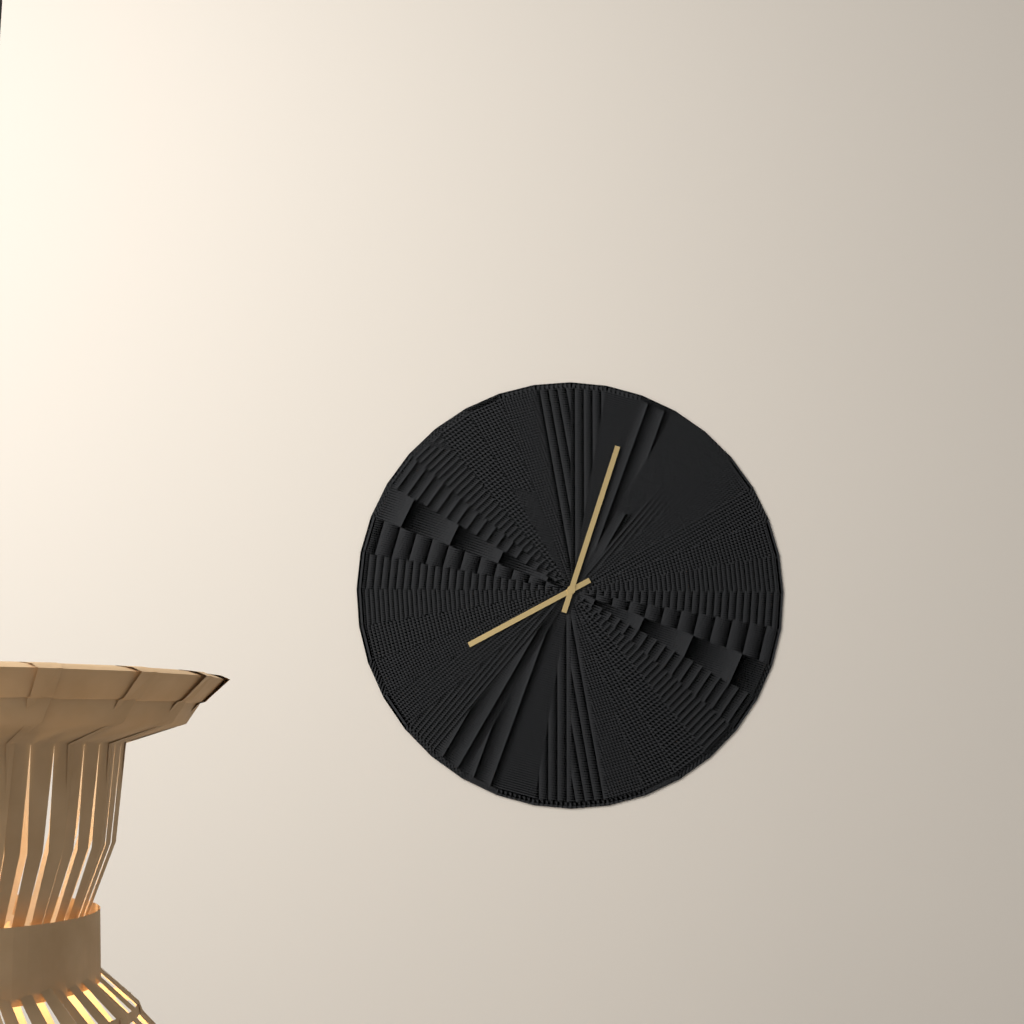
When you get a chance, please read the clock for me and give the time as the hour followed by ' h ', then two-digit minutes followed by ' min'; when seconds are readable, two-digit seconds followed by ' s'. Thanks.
8 h 03 min
